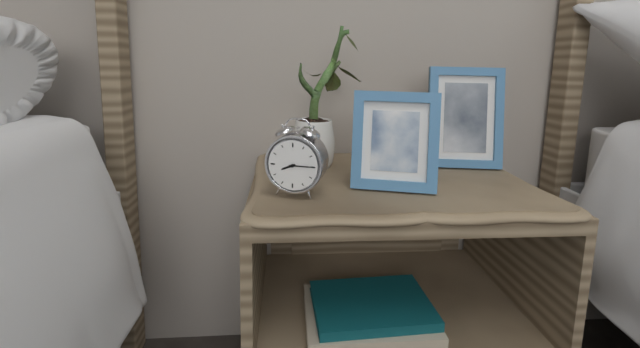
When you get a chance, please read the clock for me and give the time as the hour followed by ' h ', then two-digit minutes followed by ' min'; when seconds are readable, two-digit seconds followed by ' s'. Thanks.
8 h 15 min
